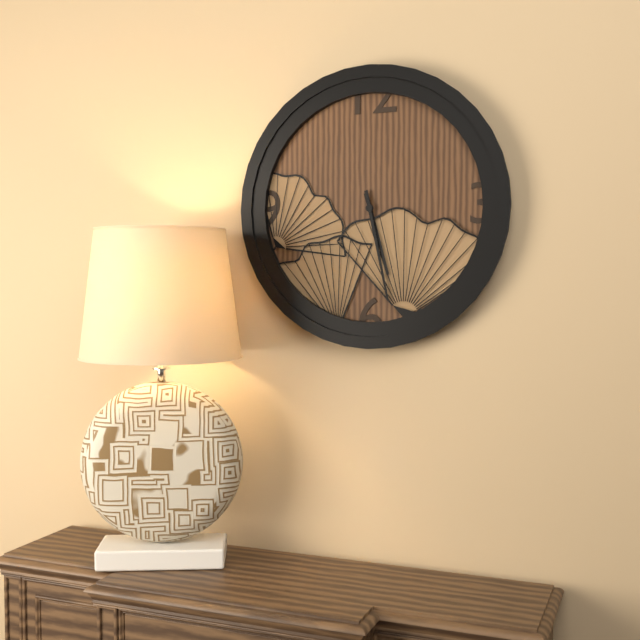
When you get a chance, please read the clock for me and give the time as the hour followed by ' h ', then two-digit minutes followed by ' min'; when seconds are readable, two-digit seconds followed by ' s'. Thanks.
5 h 28 min
